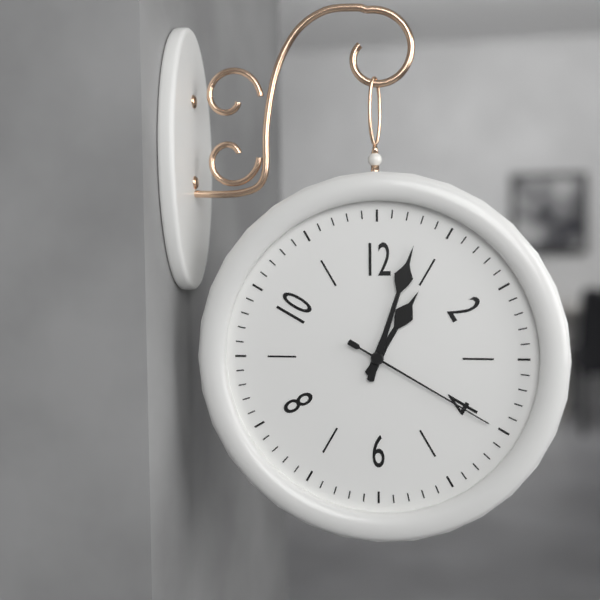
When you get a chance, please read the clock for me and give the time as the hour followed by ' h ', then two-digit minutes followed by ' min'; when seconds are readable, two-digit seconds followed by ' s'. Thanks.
1 h 03 min 20 s
